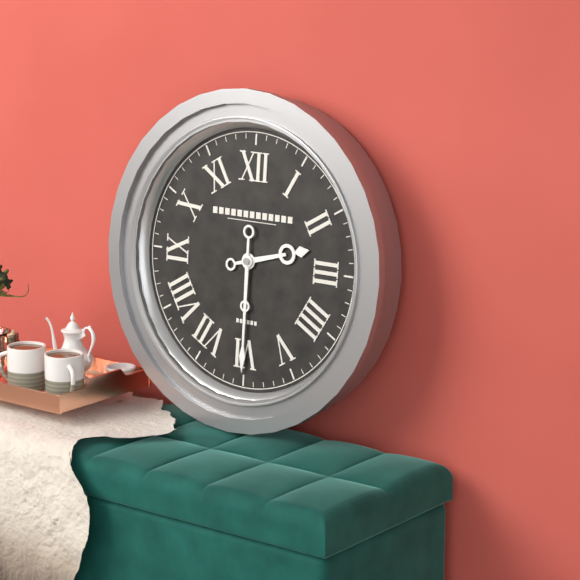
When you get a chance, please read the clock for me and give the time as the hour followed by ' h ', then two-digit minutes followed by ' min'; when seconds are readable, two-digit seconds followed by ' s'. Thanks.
2 h 30 min
